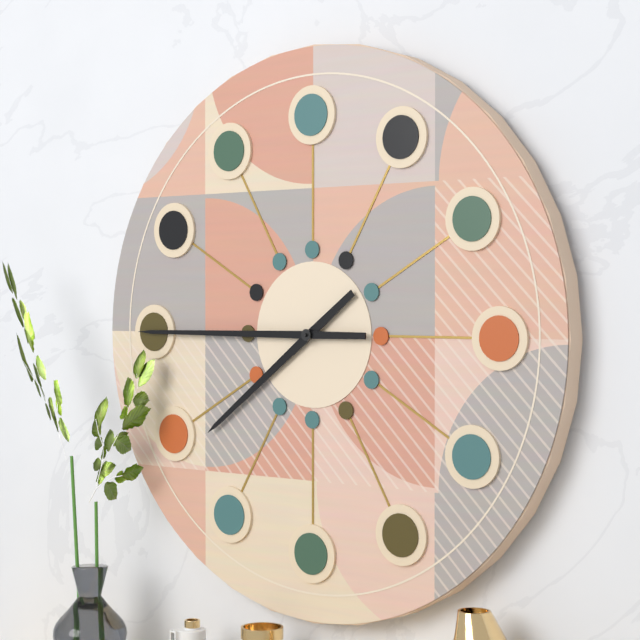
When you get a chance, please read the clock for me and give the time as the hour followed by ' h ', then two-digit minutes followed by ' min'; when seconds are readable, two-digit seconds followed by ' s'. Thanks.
7 h 45 min
